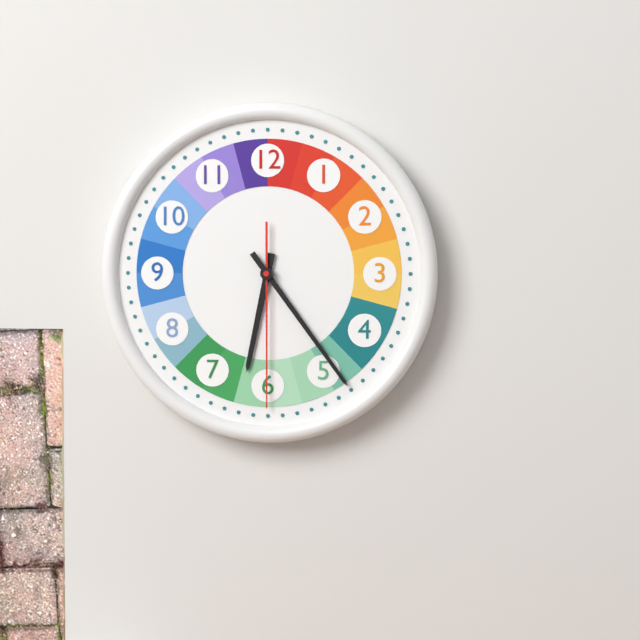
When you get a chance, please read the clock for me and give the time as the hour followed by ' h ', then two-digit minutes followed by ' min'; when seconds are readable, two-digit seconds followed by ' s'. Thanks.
6 h 24 min 30 s
